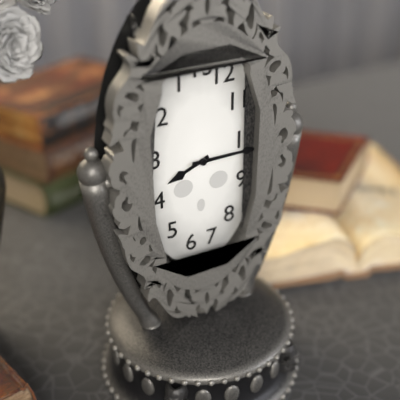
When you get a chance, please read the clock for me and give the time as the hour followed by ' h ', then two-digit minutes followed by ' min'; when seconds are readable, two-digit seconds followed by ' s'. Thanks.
8 h 15 min
